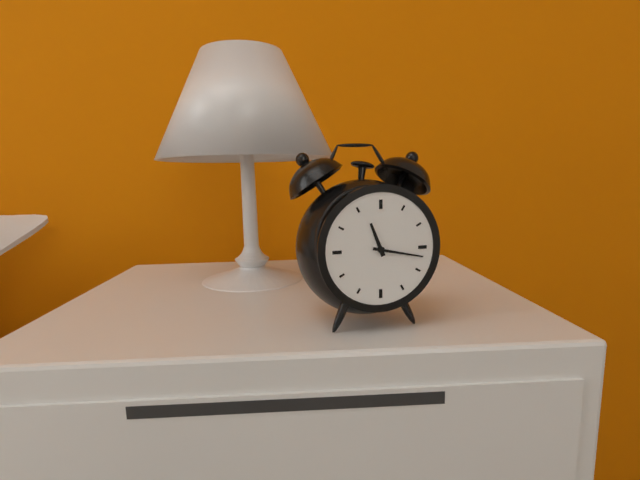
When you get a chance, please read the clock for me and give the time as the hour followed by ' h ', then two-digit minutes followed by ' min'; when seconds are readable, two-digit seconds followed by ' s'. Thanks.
11 h 17 min
